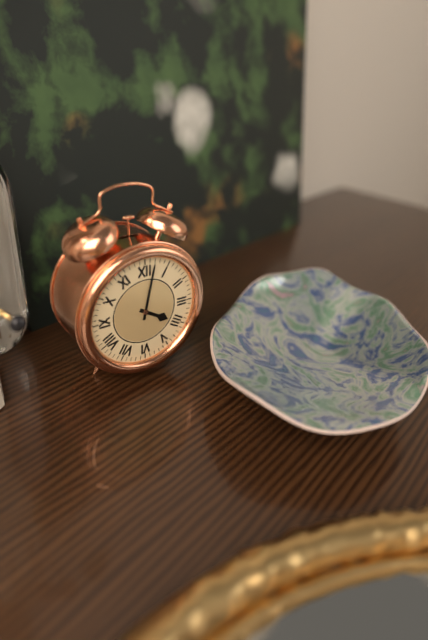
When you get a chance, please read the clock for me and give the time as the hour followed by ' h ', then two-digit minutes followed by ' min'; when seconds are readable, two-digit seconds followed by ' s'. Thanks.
4 h 02 min
